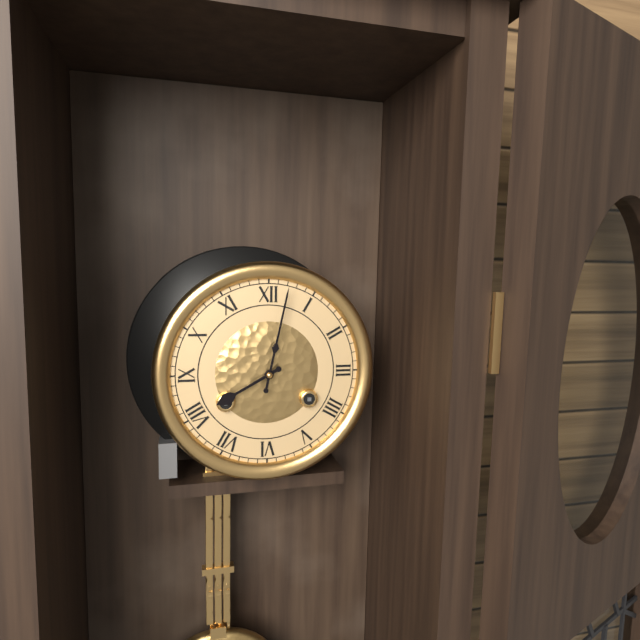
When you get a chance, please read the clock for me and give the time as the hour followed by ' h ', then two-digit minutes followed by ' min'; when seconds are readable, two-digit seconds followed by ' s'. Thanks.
8 h 02 min
